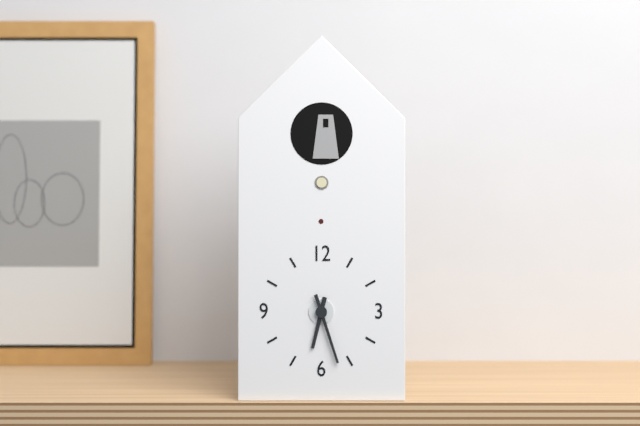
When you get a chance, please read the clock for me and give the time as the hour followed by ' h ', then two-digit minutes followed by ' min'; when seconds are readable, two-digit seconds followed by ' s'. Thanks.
6 h 27 min
